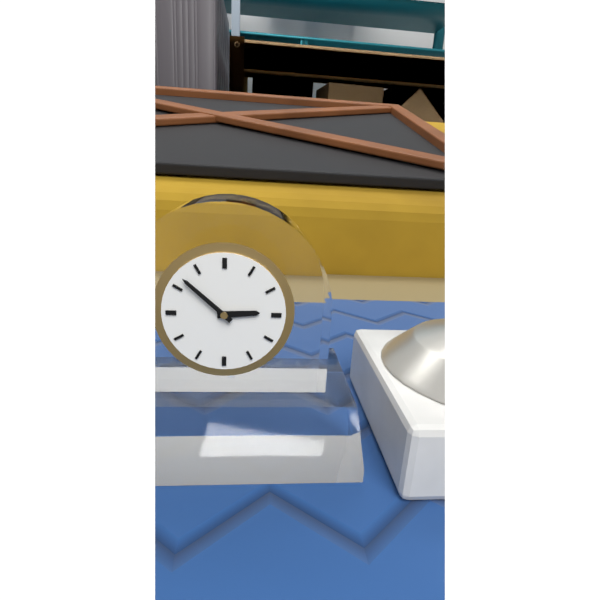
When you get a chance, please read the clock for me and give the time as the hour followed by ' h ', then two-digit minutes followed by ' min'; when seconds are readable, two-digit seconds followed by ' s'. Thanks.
2 h 52 min
